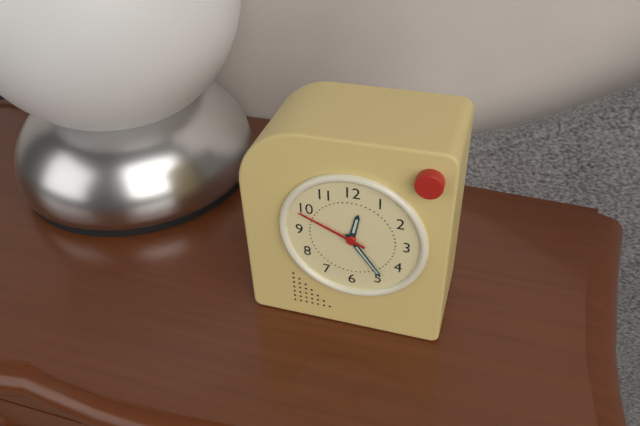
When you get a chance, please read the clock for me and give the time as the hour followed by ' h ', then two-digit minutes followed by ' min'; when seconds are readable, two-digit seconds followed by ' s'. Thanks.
12 h 24 min 49 s
